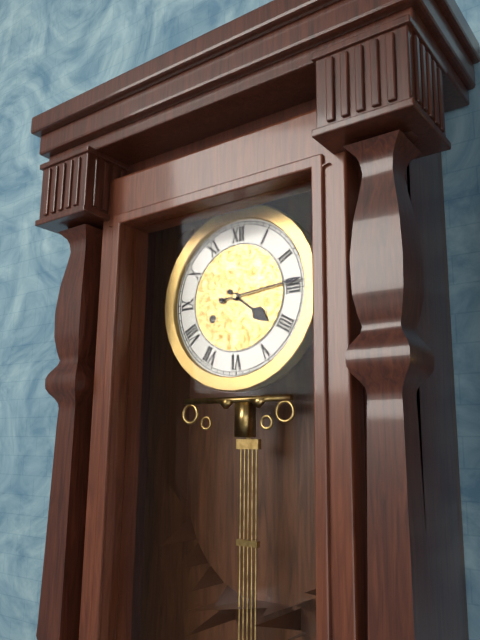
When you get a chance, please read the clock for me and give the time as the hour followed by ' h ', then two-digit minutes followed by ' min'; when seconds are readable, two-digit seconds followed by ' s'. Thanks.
4 h 14 min
